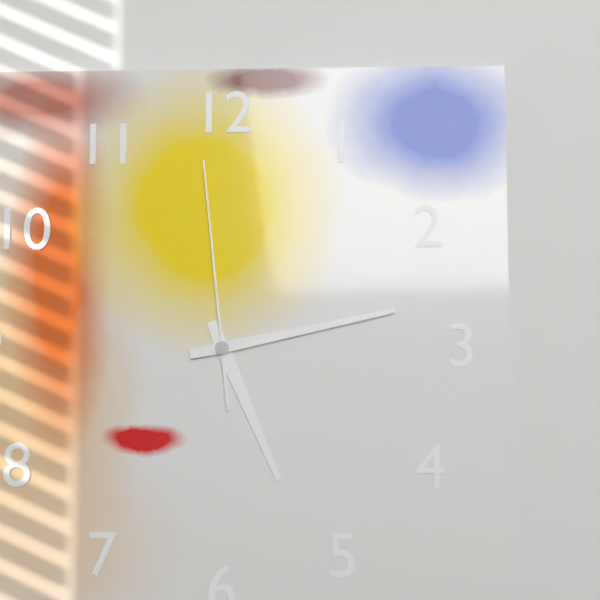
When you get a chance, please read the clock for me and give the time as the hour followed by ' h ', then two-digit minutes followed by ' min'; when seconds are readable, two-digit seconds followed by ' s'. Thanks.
5 h 13 min 59 s
